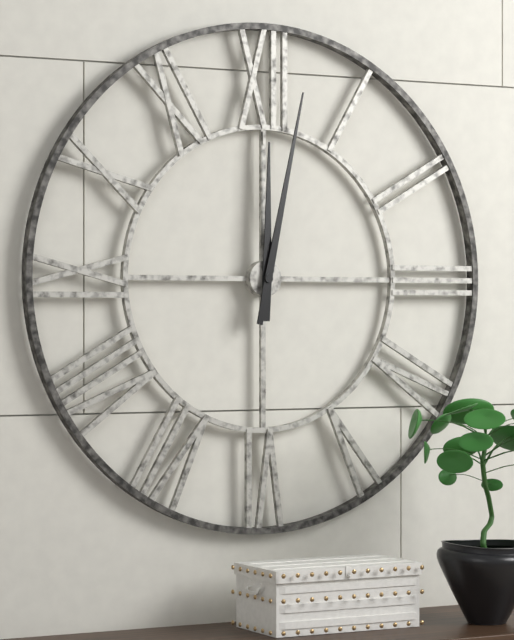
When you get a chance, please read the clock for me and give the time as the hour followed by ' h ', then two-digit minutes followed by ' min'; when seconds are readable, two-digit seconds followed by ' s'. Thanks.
12 h 02 min
